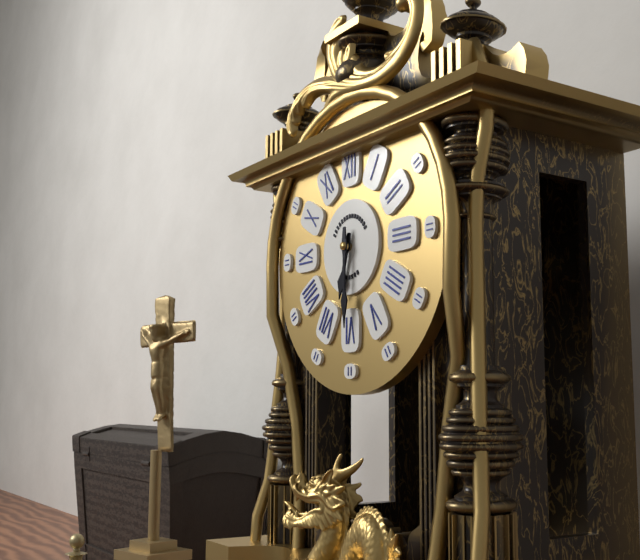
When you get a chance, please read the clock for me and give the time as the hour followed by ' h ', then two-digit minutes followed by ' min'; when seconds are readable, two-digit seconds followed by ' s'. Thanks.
6 h 30 min
